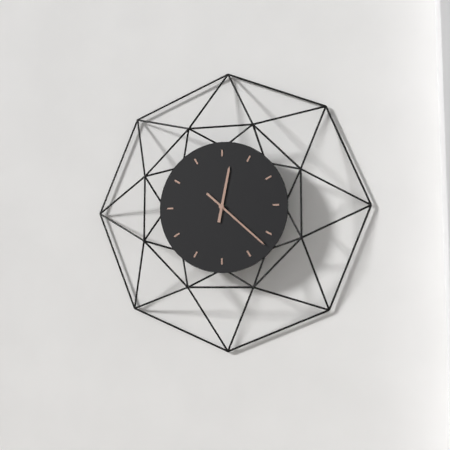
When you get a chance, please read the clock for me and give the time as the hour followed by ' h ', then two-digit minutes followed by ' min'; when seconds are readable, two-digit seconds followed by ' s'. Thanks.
12 h 22 min
